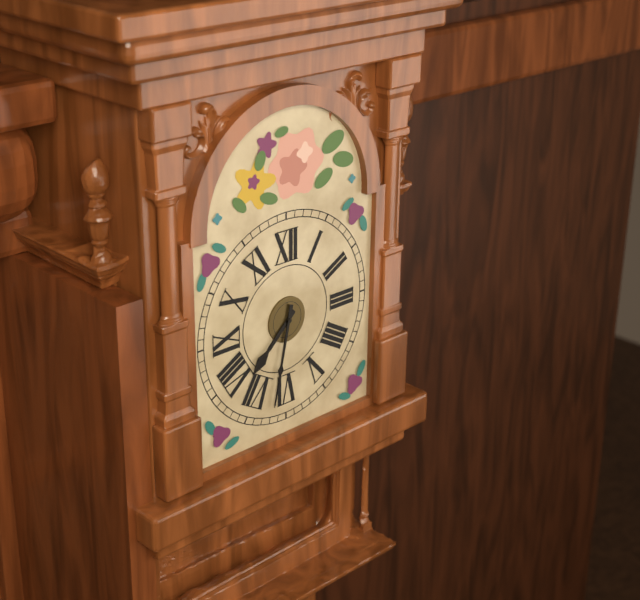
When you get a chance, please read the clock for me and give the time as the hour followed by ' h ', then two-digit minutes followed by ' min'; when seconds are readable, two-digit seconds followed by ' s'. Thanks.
7 h 32 min
